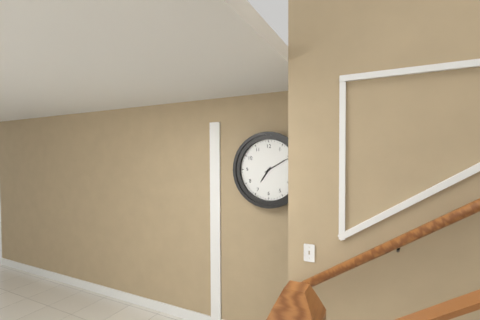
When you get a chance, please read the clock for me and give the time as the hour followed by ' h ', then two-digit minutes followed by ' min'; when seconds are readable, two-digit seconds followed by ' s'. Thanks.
7 h 10 min
